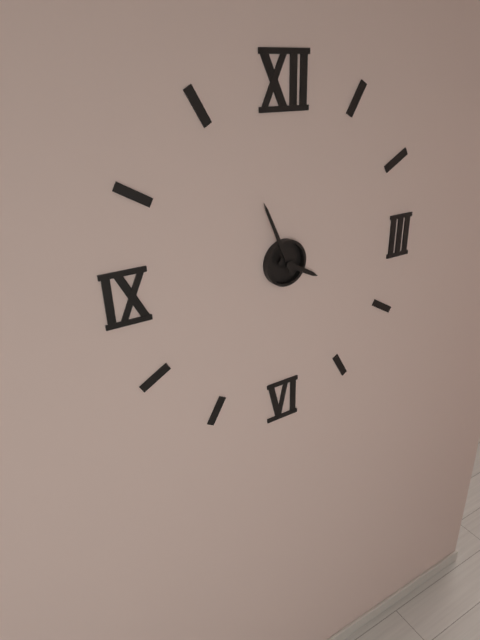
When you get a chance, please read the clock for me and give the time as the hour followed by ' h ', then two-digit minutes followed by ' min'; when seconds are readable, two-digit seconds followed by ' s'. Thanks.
3 h 56 min
